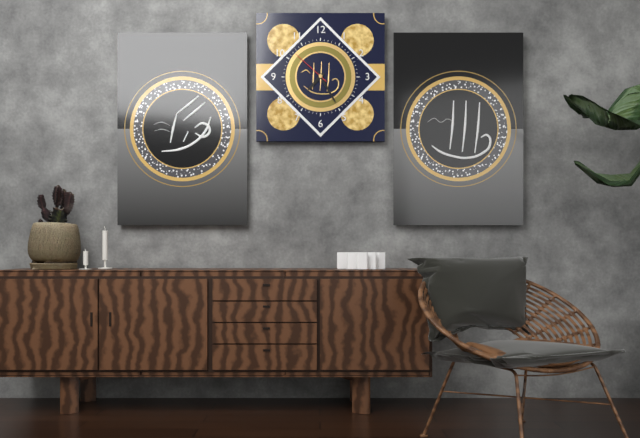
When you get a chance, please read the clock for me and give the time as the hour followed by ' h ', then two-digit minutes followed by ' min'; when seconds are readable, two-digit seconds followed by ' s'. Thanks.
7 h 25 min
